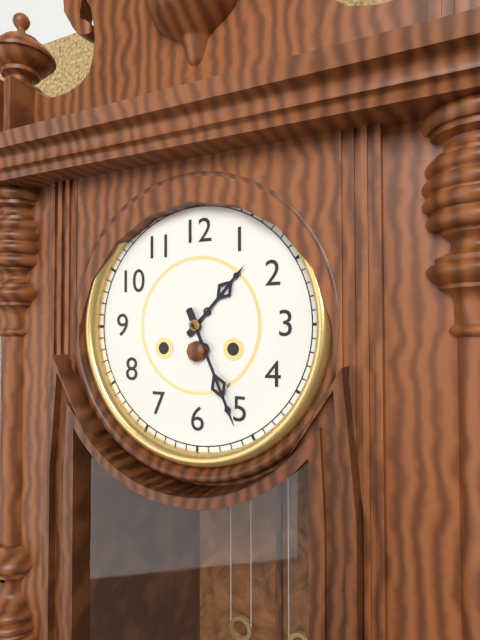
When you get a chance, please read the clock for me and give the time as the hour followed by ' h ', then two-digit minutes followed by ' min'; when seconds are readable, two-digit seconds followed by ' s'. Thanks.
1 h 26 min
